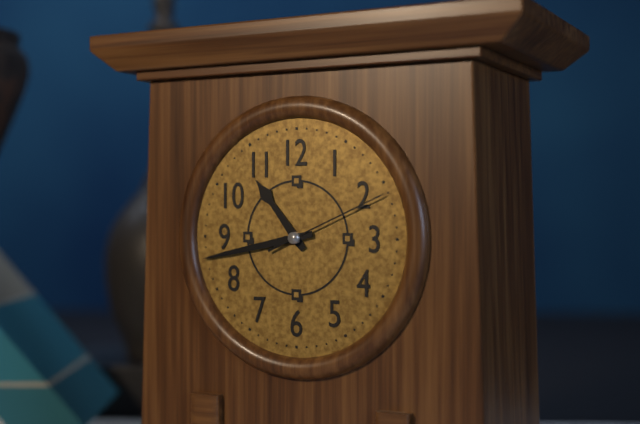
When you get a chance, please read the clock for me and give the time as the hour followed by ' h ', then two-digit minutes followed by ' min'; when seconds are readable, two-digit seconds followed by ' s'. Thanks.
10 h 43 min 11 s
